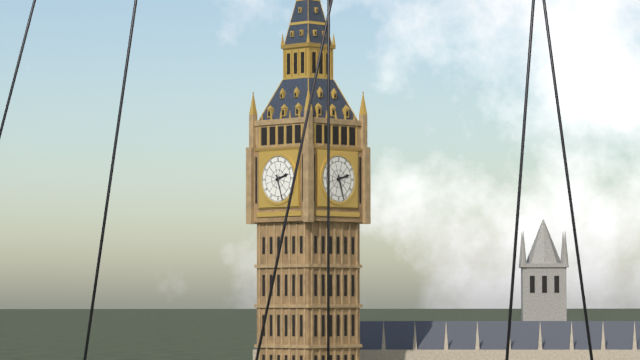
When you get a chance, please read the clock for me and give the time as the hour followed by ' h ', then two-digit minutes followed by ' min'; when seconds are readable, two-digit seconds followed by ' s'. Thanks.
2 h 27 min
